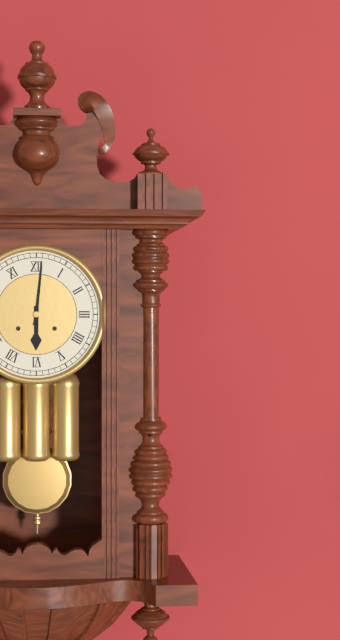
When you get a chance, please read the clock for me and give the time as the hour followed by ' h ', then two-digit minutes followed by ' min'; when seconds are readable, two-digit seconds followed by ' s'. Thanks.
6 h 01 min
